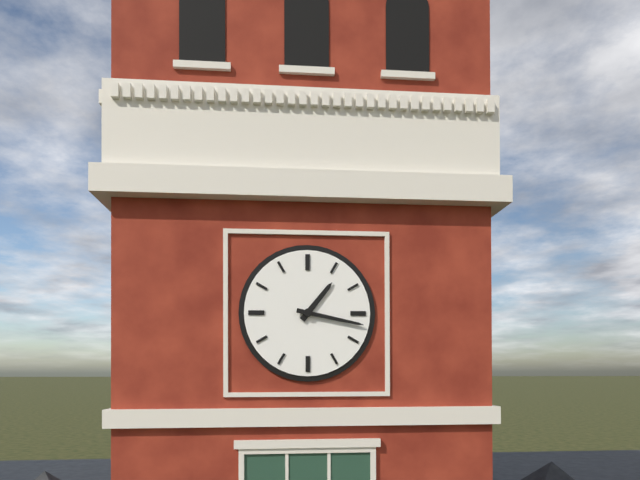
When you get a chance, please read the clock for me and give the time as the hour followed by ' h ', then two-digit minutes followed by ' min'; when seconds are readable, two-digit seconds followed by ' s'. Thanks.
1 h 17 min
